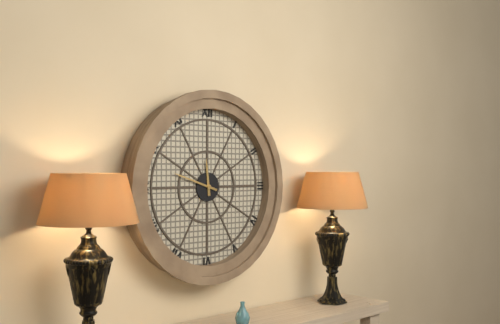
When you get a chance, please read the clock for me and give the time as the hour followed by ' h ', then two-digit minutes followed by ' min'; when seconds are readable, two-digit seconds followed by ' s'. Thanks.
11 h 48 min
